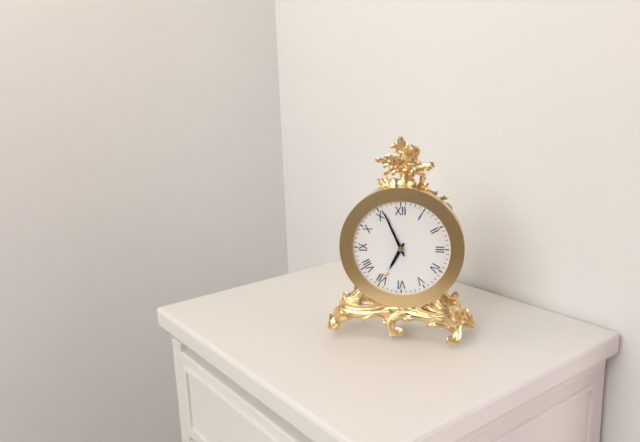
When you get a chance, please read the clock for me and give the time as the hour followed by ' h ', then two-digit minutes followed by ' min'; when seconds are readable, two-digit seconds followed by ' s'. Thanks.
6 h 56 min
